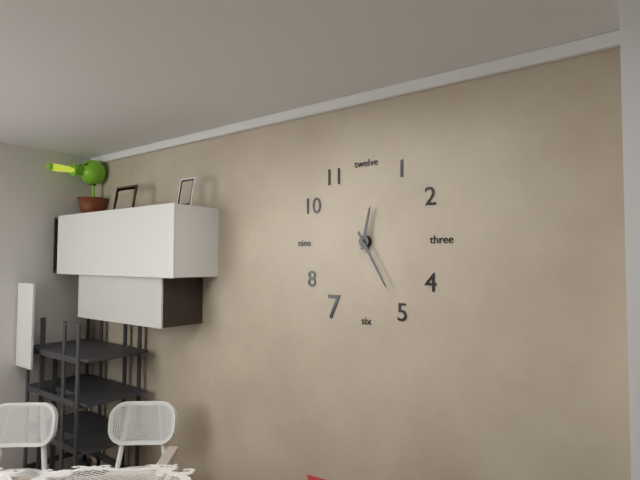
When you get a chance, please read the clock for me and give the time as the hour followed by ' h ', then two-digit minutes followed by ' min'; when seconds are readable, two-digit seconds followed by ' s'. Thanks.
12 h 25 min
